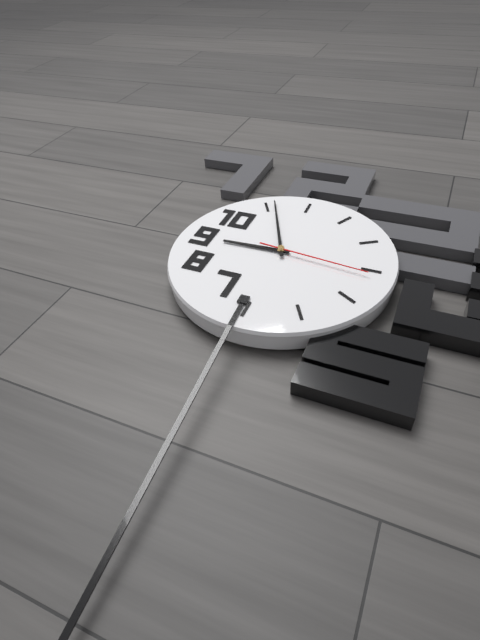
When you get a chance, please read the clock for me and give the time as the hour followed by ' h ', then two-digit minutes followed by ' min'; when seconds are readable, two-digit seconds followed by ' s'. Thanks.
8 h 56 min 16 s
